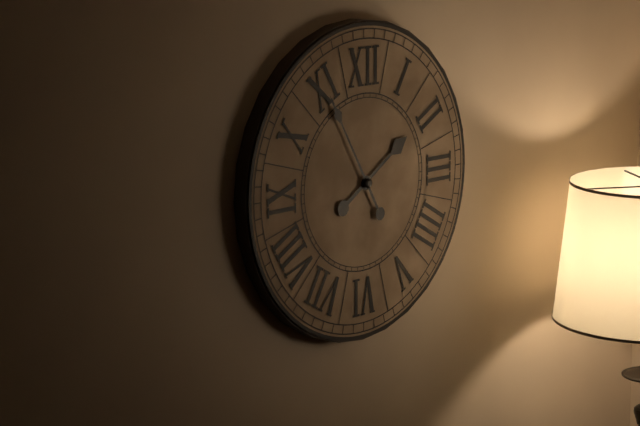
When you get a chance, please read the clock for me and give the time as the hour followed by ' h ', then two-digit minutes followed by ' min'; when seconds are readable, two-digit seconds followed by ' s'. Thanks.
1 h 55 min
